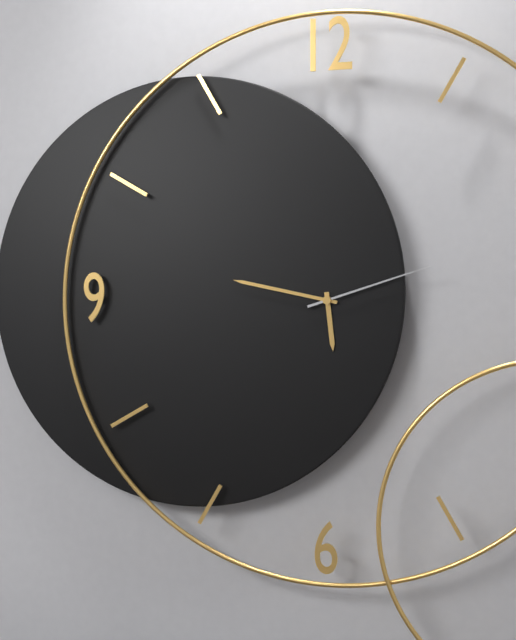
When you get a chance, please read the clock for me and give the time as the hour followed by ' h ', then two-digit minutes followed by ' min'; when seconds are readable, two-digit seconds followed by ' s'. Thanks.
5 h 47 min 12 s
